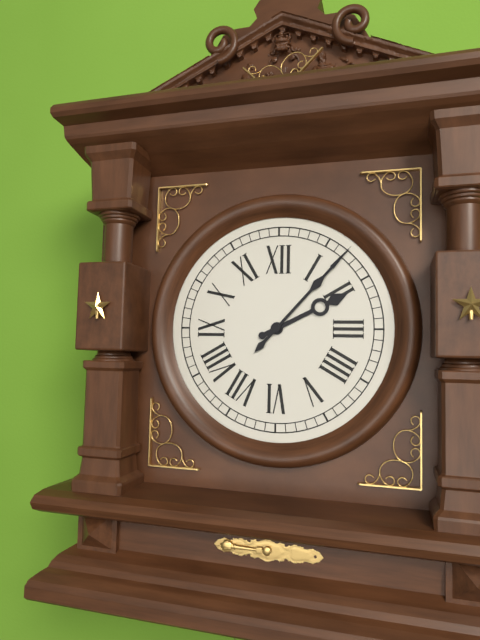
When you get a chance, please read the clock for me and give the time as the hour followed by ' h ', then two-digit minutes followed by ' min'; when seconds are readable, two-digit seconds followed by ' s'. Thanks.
2 h 07 min
